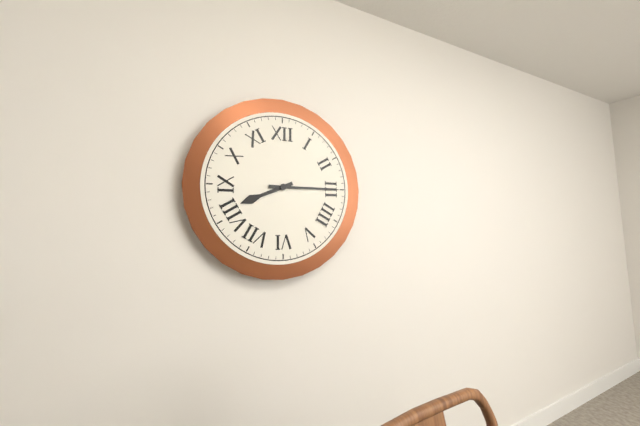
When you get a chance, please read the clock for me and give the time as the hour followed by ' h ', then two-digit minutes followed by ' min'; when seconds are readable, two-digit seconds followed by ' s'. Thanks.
8 h 15 min
